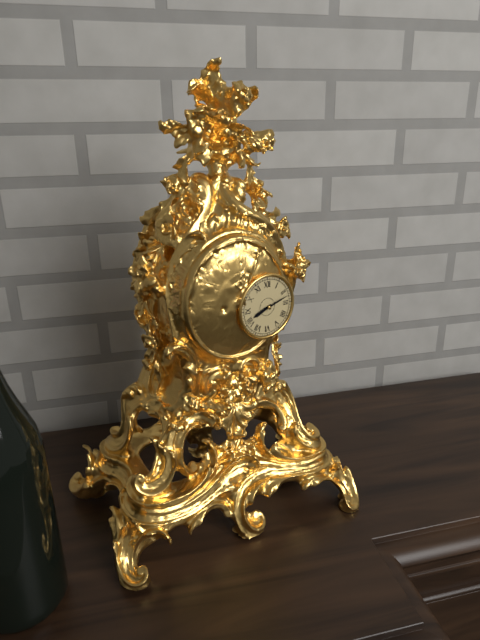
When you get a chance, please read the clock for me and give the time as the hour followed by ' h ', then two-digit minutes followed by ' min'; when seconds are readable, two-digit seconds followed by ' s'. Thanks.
8 h 12 min
